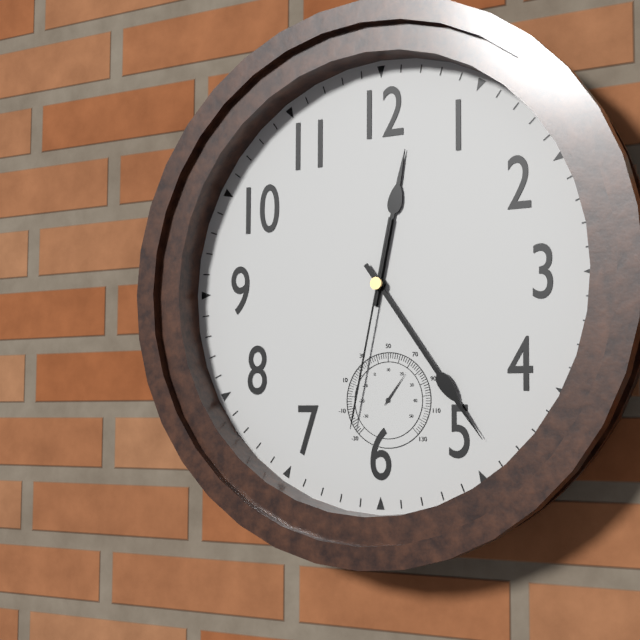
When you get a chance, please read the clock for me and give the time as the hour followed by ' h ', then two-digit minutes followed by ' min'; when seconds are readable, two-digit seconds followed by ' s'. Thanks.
12 h 24 min 32 s
